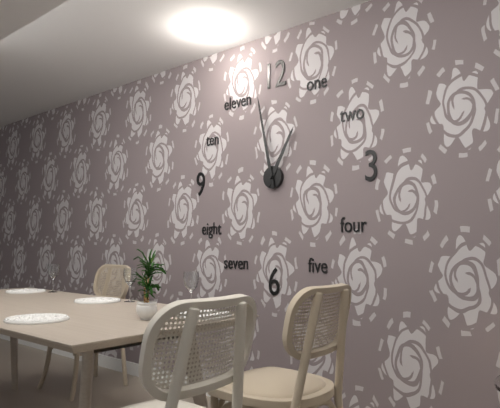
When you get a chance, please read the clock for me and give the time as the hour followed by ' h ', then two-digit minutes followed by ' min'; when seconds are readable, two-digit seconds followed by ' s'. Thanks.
12 h 58 min
